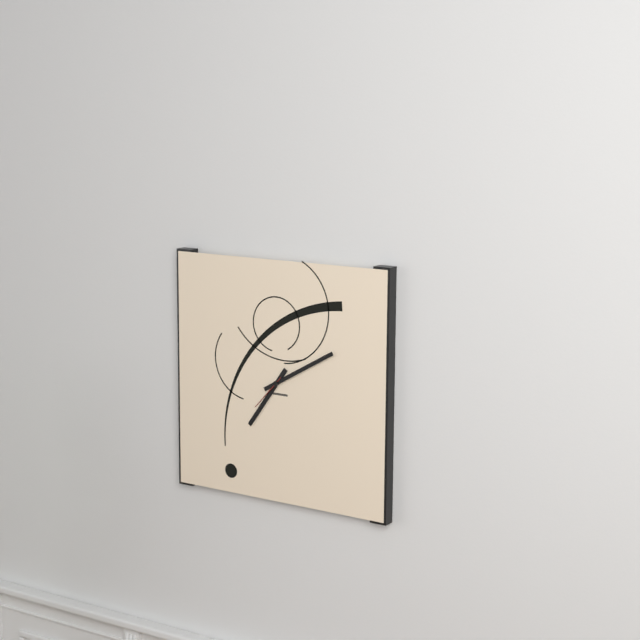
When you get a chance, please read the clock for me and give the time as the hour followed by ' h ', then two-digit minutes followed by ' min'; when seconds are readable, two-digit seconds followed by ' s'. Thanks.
7 h 10 min
